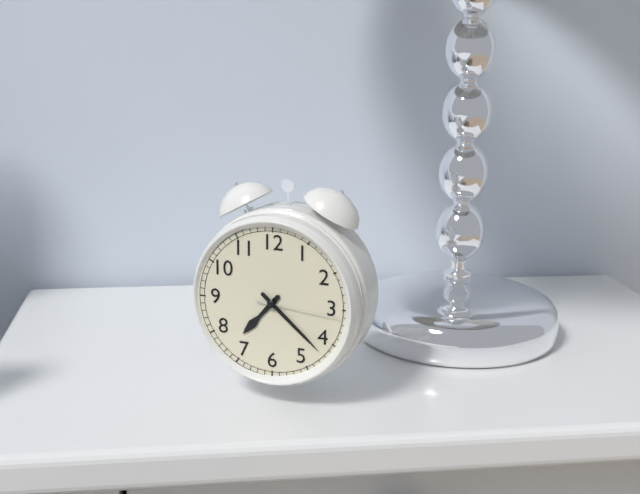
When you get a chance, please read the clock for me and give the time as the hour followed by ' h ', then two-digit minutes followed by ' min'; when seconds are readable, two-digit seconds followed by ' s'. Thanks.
7 h 22 min 16 s
